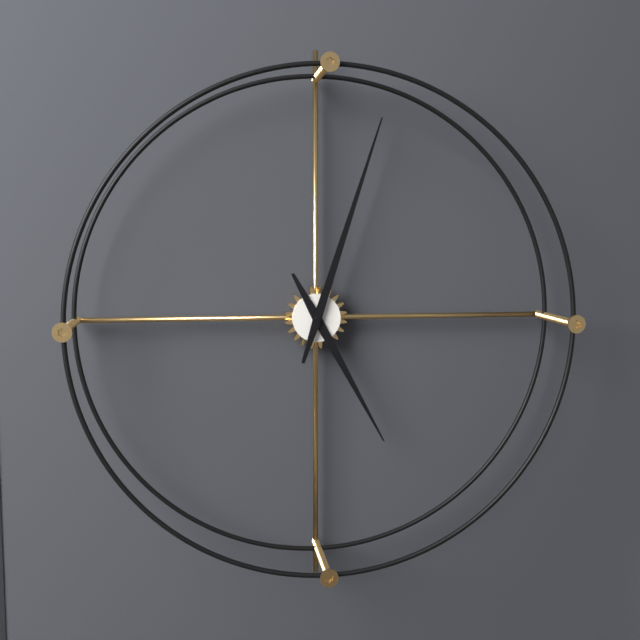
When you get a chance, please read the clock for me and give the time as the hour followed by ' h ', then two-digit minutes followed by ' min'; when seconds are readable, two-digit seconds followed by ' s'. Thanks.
5 h 03 min
